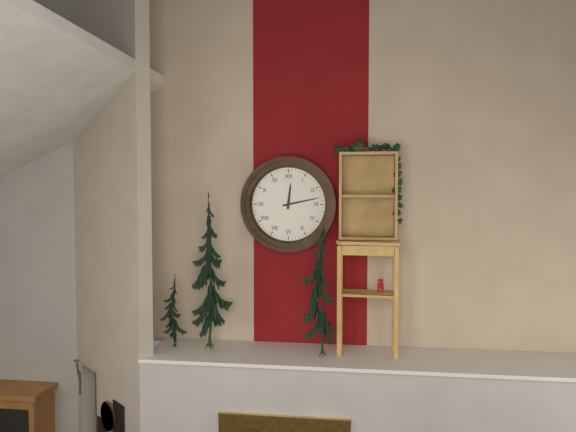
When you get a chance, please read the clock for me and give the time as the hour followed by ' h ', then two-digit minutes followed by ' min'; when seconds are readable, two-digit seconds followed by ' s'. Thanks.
12 h 13 min
